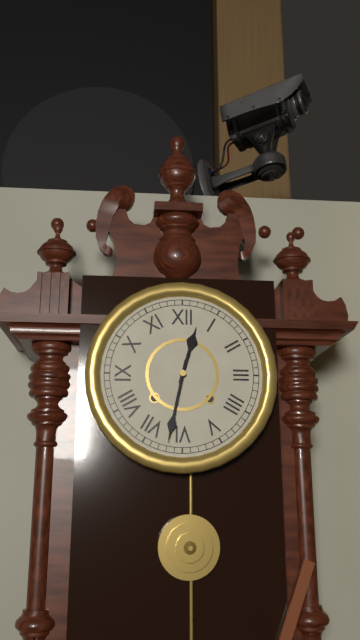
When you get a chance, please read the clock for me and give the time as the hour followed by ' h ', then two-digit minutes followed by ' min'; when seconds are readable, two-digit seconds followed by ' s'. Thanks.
12 h 32 min
